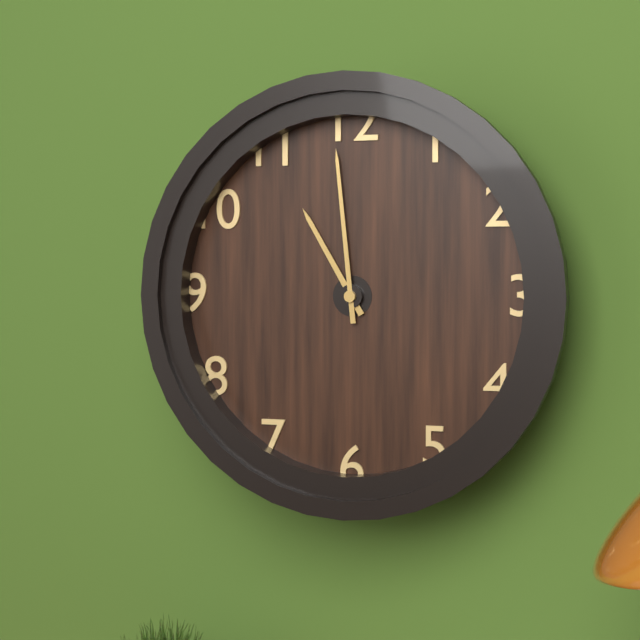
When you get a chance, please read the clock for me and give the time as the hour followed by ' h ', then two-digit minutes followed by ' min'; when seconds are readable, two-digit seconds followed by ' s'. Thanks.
10 h 59 min
